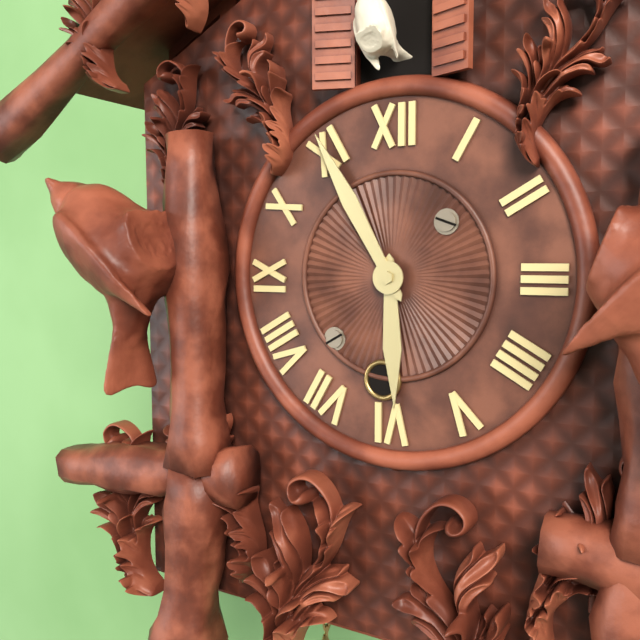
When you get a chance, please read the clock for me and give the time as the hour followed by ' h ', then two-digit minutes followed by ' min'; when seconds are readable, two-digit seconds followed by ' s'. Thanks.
5 h 55 min
